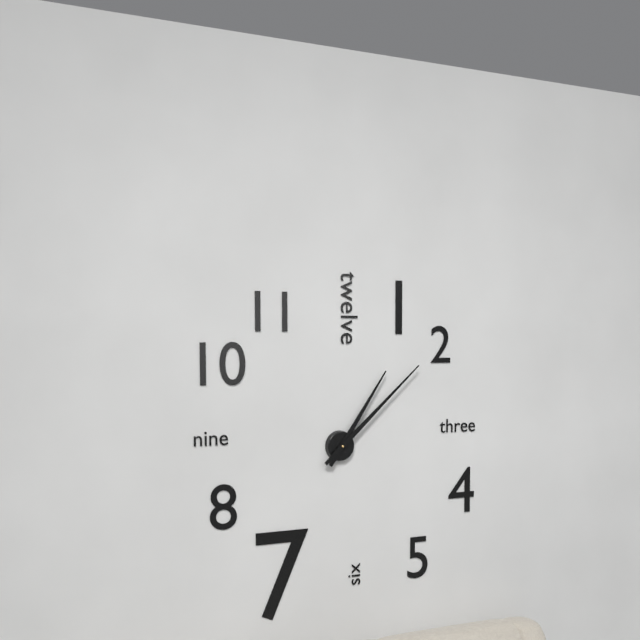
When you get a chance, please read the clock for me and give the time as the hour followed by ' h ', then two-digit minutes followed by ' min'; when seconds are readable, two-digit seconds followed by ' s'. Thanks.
1 h 08 min
